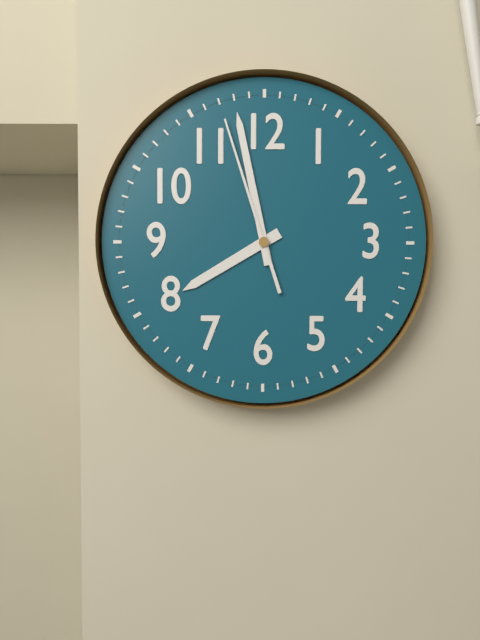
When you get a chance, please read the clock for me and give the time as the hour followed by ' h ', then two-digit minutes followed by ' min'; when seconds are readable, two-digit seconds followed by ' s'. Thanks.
7 h 58 min 57 s
